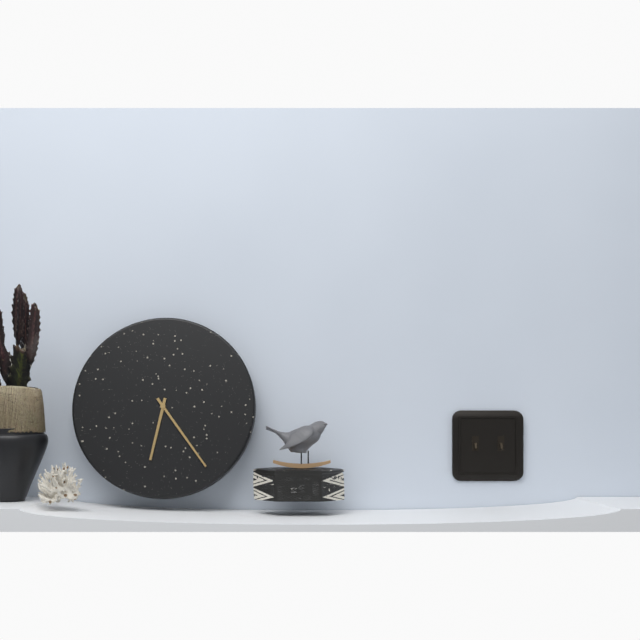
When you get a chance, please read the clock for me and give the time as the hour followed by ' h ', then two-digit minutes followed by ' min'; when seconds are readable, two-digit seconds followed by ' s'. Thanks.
6 h 24 min
